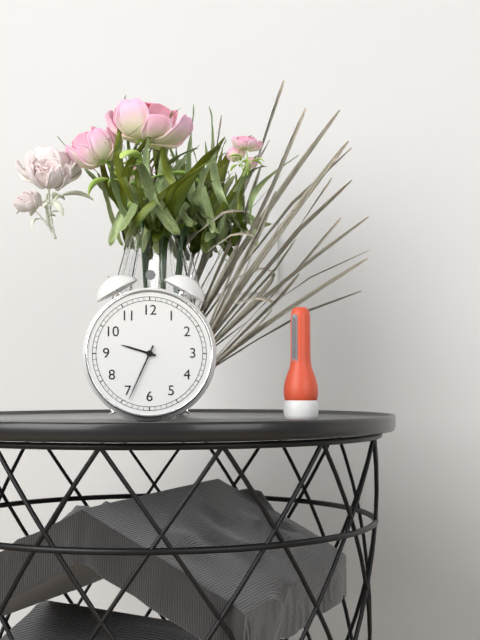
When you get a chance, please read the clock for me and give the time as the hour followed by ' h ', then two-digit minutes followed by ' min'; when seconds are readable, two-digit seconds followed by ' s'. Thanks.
9 h 34 min
